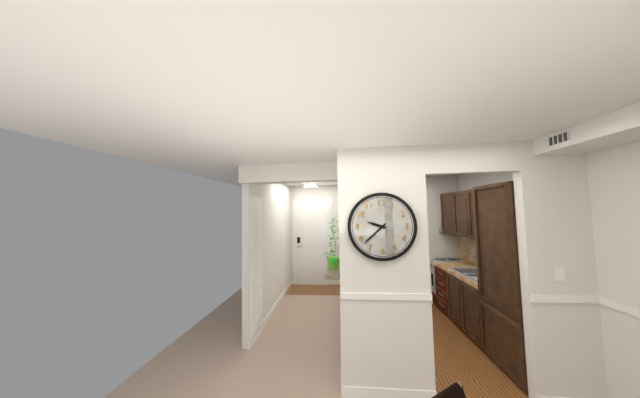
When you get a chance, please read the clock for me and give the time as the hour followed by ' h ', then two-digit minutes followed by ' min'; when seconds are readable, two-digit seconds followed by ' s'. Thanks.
9 h 38 min
